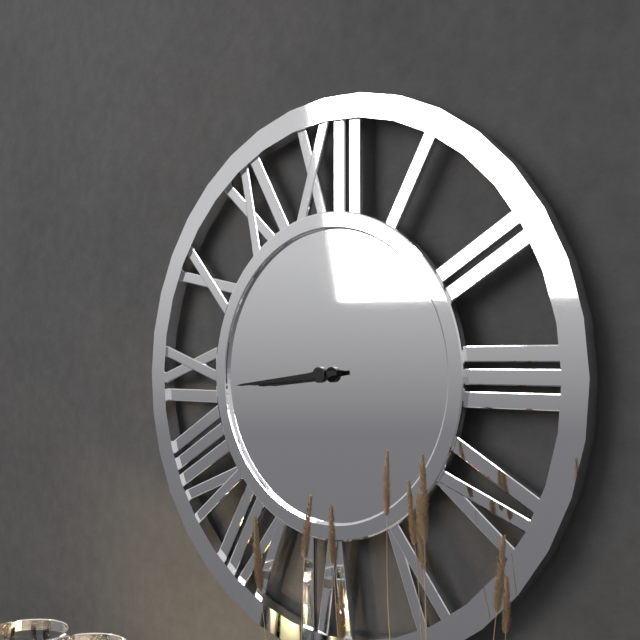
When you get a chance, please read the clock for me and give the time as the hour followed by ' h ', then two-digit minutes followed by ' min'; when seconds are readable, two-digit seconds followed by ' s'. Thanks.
8 h 44 min
